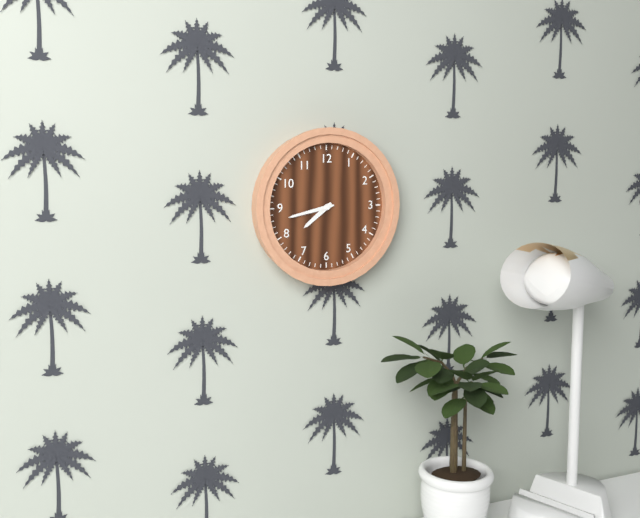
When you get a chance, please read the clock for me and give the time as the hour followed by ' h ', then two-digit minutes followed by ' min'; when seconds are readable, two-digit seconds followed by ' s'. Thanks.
7 h 43 min
